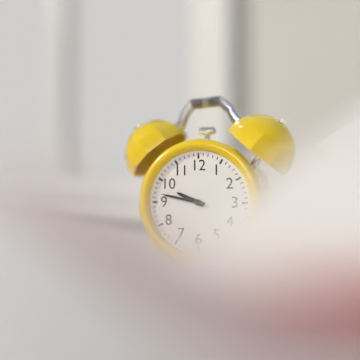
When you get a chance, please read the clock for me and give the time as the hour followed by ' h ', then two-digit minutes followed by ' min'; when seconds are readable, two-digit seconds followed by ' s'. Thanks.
9 h 47 min
